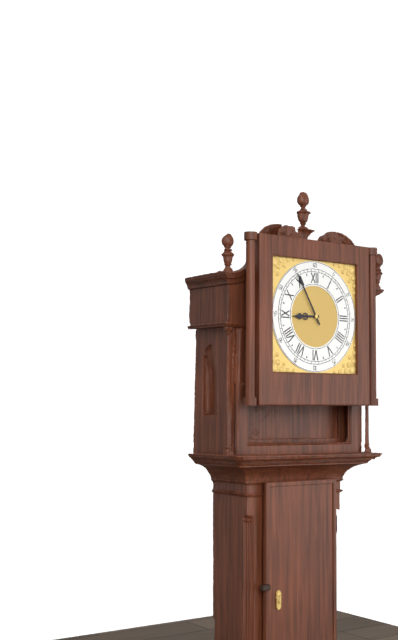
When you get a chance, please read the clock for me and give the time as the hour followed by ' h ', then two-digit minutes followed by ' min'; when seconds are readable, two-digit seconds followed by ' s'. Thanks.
8 h 55 min
